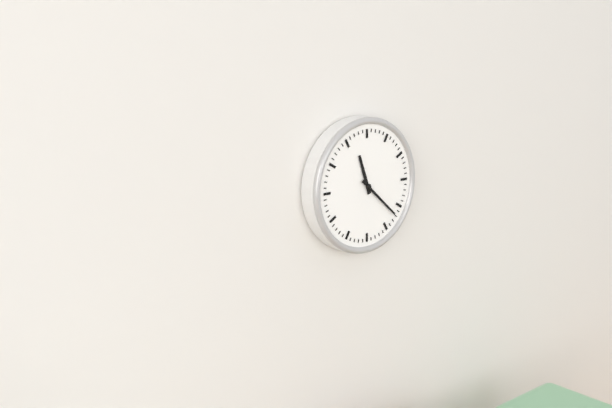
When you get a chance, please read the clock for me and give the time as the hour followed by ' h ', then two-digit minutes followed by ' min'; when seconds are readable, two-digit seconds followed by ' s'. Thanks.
11 h 22 min
